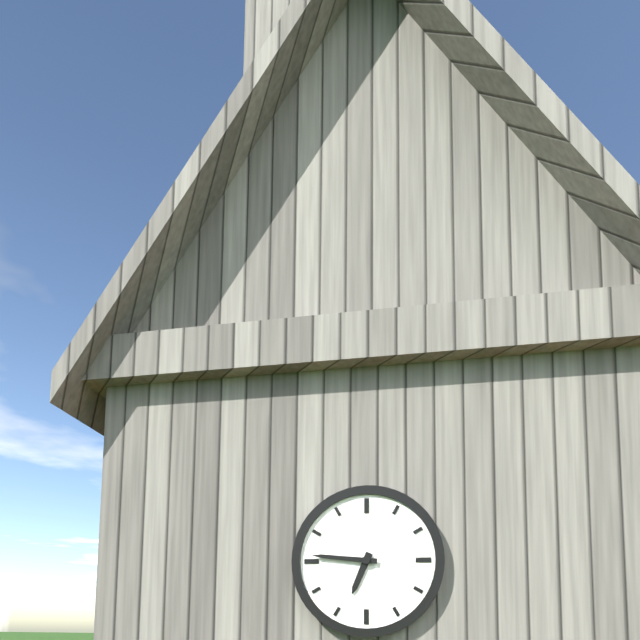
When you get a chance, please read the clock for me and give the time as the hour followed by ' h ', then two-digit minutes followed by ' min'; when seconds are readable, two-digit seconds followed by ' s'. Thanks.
6 h 46 min
